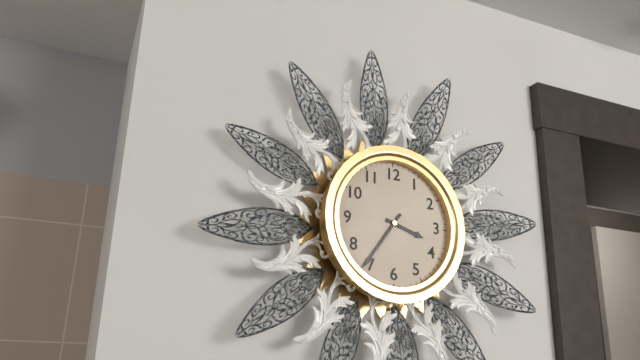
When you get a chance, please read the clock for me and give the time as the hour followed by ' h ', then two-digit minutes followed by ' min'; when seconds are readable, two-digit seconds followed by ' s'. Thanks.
3 h 36 min
